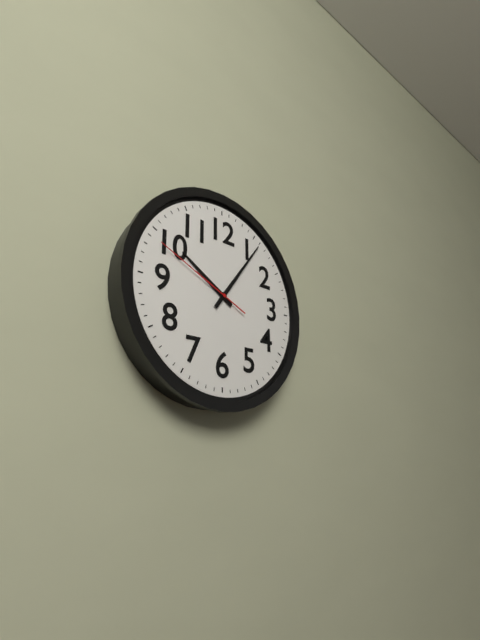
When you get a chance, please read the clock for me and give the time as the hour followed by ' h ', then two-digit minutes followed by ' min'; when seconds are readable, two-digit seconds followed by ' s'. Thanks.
10 h 06 min 49 s
